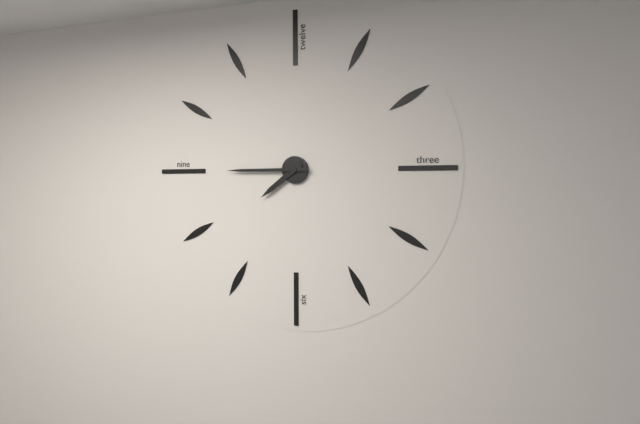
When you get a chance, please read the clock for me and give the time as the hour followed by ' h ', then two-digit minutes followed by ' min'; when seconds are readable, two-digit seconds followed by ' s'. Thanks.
7 h 45 min
